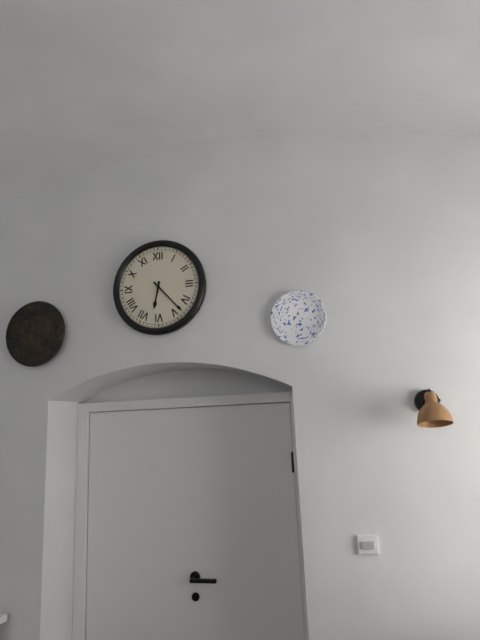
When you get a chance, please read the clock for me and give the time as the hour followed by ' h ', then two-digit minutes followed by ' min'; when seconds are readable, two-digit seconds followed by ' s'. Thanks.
6 h 23 min
